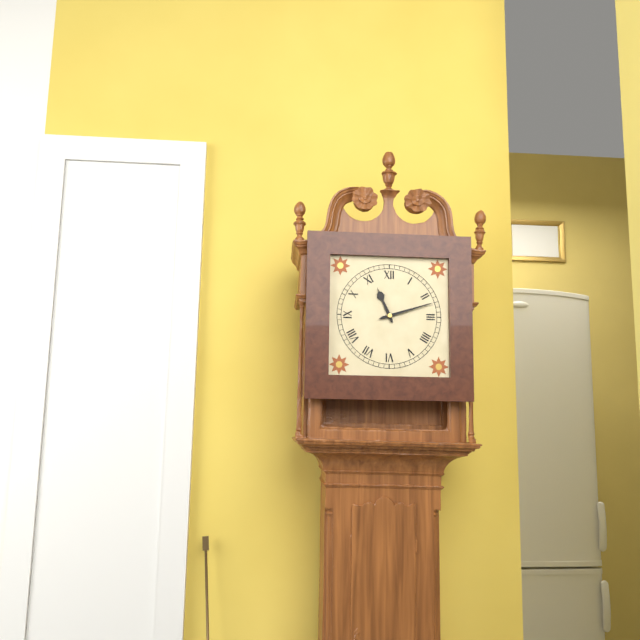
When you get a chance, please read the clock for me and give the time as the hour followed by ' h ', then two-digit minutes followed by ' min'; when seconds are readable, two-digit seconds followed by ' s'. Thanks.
11 h 12 min
